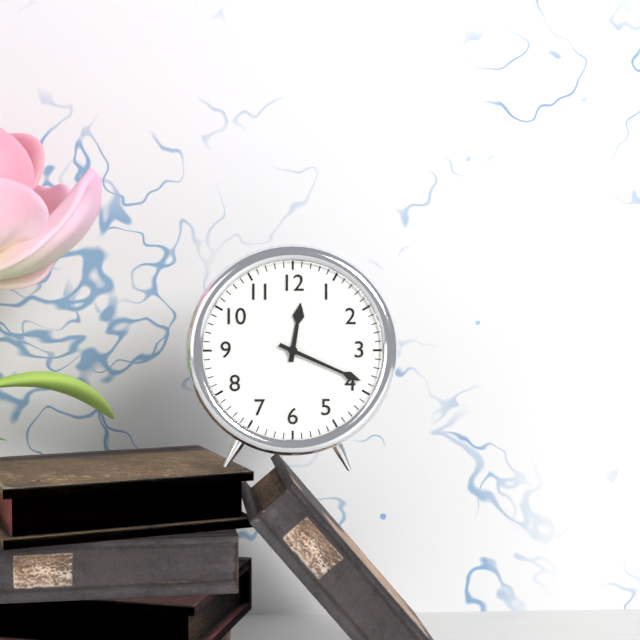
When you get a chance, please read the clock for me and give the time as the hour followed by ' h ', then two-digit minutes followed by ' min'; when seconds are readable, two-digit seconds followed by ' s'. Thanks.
12 h 19 min
